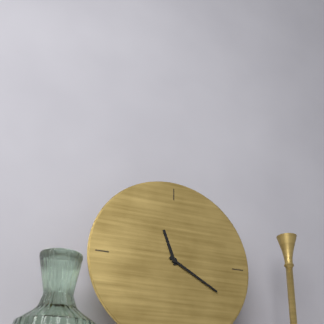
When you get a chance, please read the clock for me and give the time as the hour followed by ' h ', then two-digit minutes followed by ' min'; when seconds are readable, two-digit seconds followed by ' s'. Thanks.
11 h 20 min
